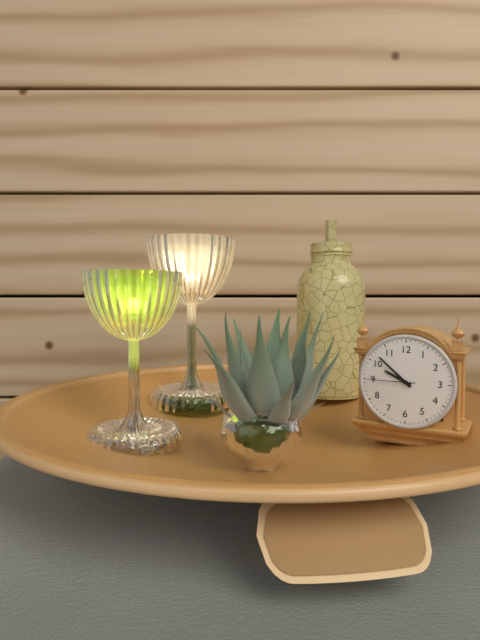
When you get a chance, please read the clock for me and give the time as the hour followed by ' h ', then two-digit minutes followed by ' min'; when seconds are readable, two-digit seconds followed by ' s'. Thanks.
9 h 52 min
